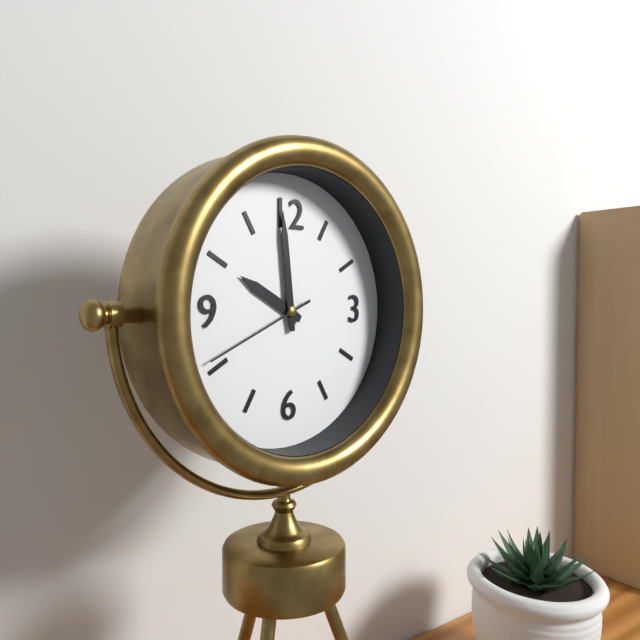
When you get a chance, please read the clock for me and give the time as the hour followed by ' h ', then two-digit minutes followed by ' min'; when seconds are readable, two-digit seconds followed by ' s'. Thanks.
9 h 59 min 41 s
